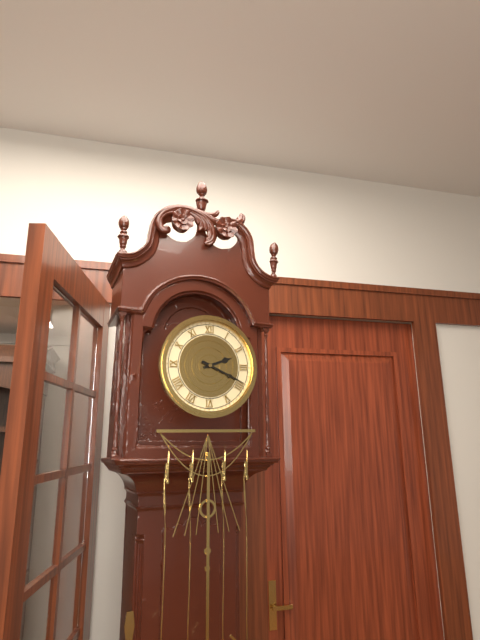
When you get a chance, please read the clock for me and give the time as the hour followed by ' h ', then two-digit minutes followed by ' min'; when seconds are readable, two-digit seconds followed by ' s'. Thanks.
2 h 19 min
